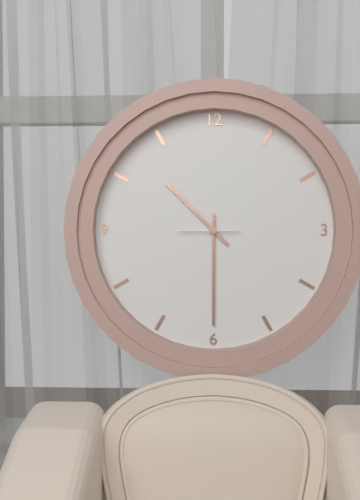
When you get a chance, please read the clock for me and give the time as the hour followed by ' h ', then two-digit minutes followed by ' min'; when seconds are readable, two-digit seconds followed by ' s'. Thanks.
10 h 30 min
